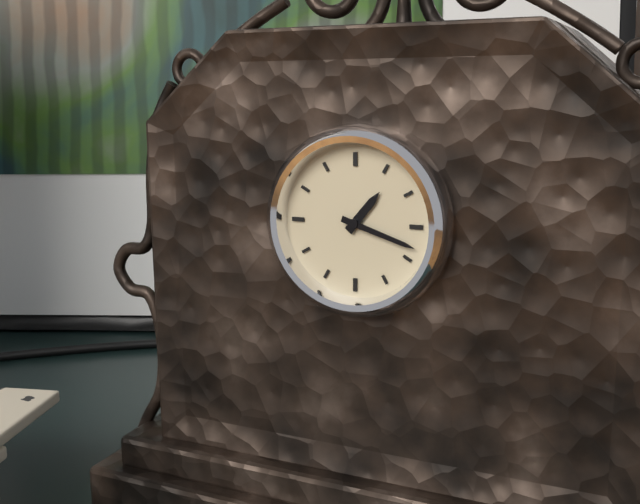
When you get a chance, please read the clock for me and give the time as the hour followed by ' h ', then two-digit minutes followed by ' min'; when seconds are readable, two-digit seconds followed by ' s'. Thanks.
1 h 18 min
